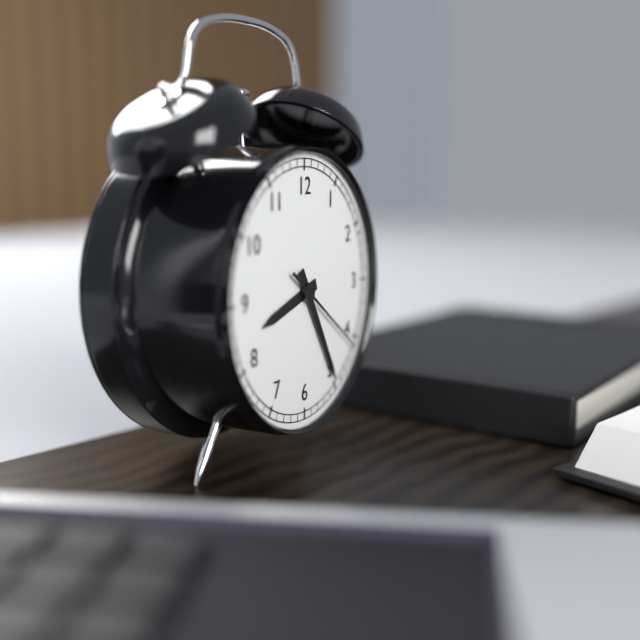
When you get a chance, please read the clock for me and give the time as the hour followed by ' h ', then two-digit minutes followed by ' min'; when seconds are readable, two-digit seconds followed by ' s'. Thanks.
8 h 25 min 21 s
